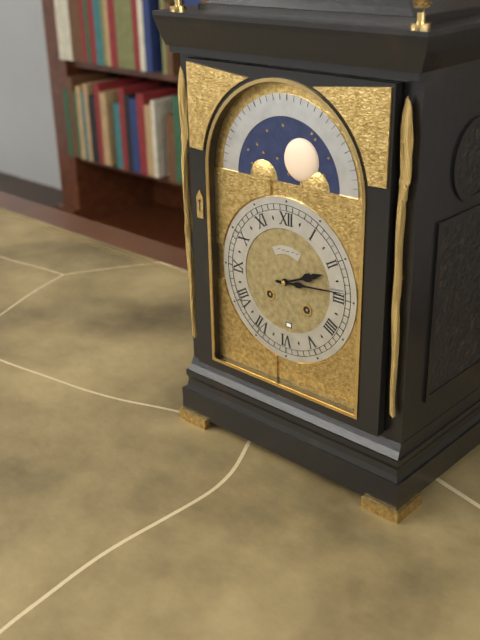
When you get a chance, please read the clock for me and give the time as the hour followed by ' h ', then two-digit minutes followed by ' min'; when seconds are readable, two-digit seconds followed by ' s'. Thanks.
2 h 14 min
